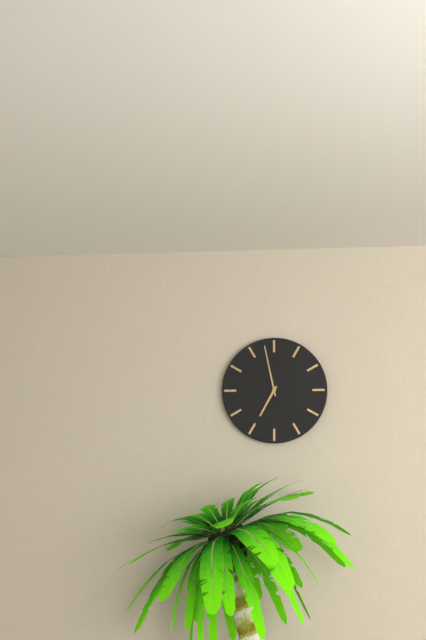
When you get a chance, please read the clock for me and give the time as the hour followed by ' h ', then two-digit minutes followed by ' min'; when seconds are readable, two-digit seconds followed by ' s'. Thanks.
6 h 58 min
